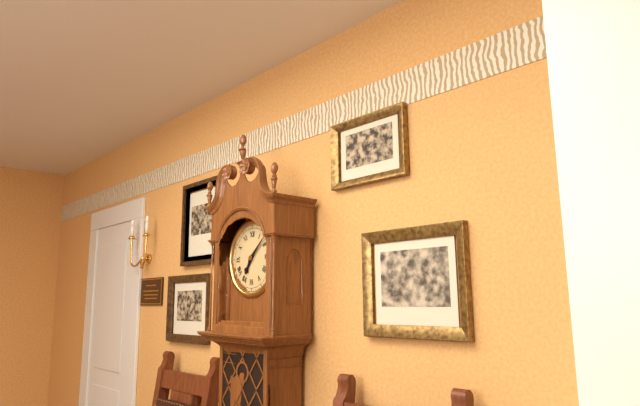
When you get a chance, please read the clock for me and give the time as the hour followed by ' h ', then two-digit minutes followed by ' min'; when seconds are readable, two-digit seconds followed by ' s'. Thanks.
7 h 08 min
